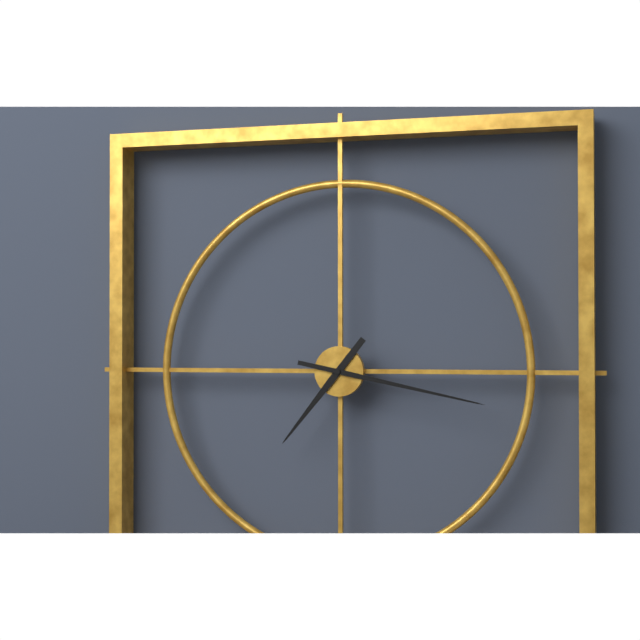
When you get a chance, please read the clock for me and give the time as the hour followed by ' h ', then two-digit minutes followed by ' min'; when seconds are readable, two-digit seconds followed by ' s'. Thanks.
7 h 17 min
